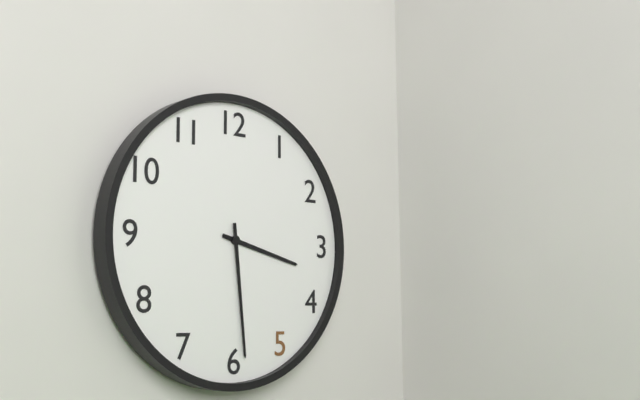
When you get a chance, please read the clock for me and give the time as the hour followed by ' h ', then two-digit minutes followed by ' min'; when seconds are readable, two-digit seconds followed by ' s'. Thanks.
3 h 29 min
